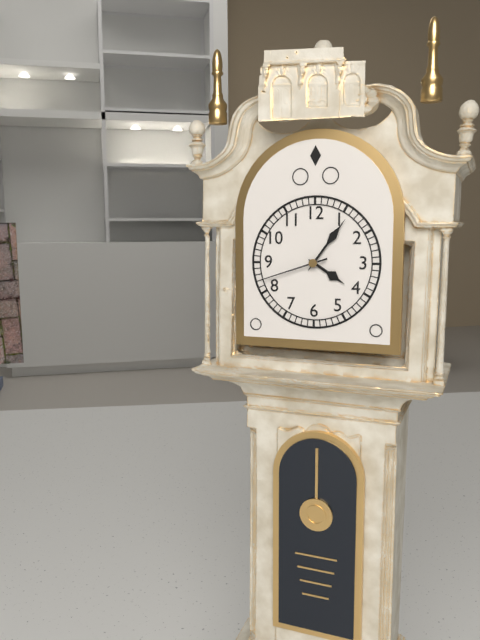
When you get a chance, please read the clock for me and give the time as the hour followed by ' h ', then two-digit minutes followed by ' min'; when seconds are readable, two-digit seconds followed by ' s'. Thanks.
4 h 06 min 42 s
